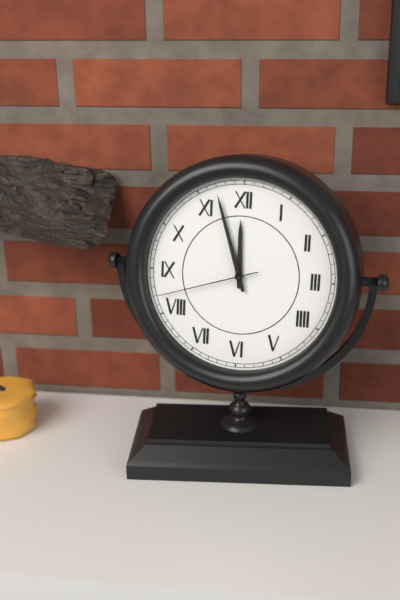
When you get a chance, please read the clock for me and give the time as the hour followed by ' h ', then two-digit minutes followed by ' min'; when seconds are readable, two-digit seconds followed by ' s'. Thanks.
11 h 57 min 42 s
